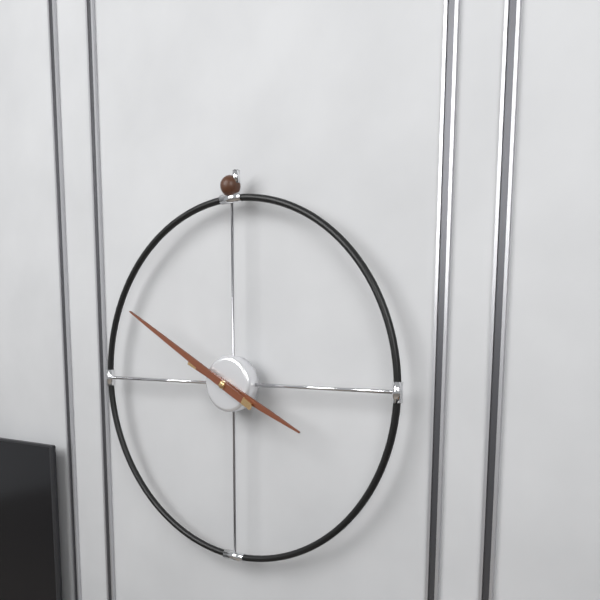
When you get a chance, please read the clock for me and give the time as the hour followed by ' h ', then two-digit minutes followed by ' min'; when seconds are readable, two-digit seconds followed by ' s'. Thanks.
3 h 50 min
